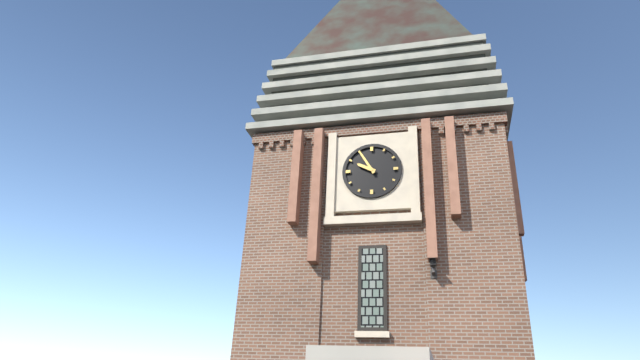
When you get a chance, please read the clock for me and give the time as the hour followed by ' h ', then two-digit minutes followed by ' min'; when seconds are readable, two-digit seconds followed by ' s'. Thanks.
9 h 55 min
